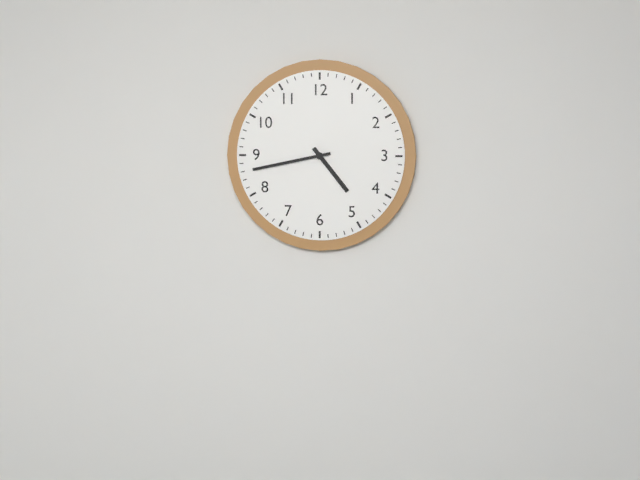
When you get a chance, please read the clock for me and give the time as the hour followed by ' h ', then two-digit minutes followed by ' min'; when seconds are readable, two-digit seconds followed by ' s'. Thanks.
4 h 43 min
